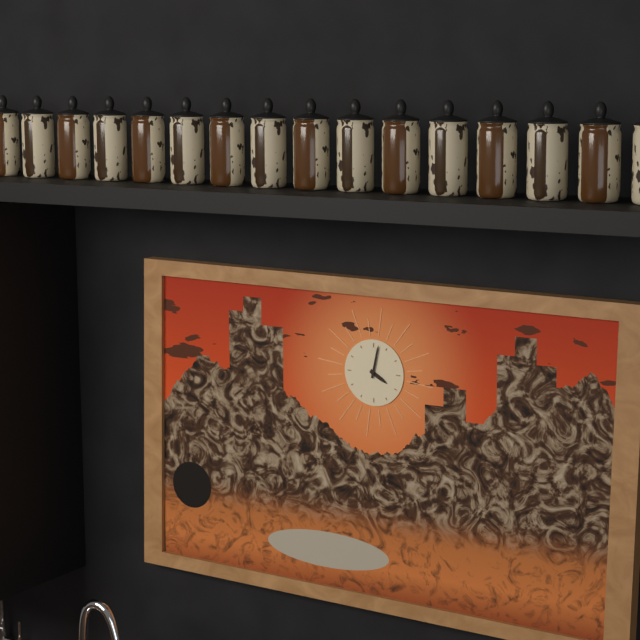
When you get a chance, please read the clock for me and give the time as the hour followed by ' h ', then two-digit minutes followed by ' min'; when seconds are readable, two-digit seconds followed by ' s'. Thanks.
4 h 02 min
